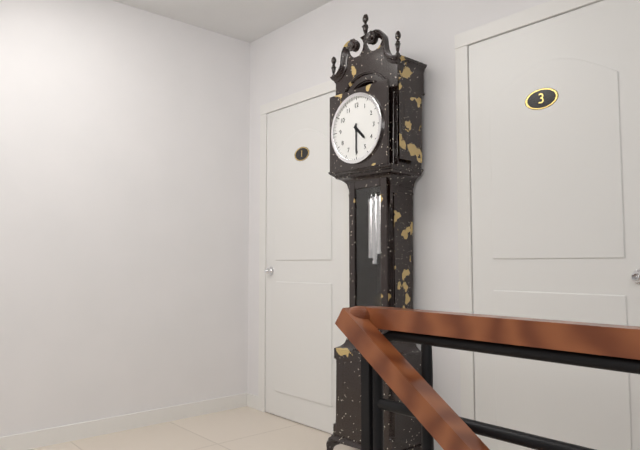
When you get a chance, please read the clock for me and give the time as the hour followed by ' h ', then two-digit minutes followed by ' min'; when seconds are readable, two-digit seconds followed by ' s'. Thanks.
4 h 30 min
